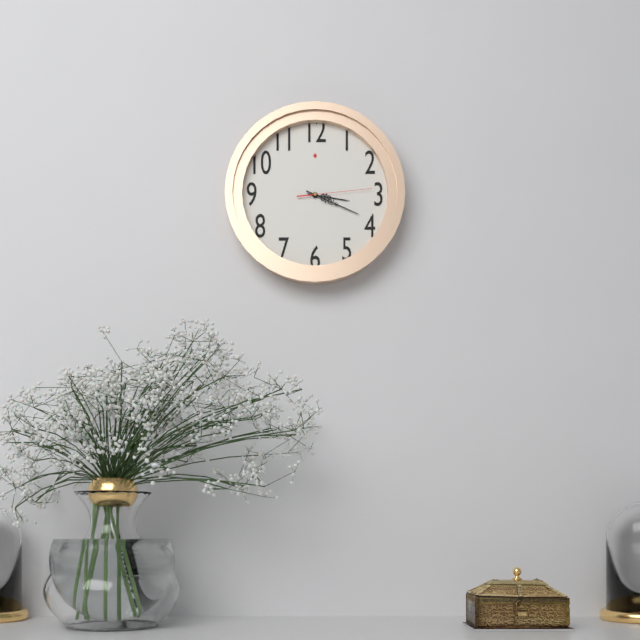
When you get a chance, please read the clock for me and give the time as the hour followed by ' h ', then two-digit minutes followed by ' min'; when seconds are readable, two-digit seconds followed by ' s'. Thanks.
3 h 19 min 14 s
